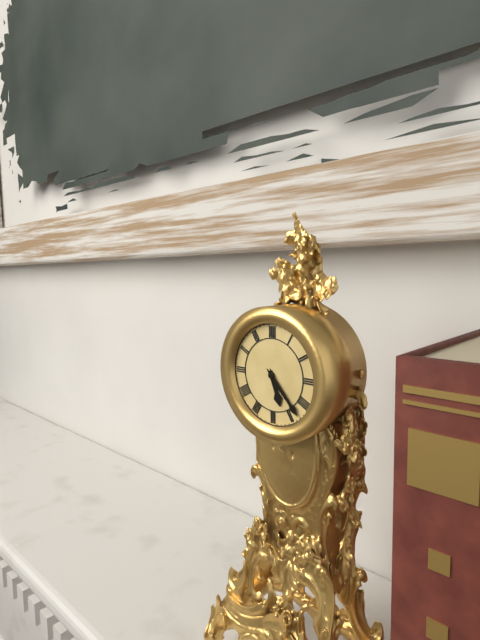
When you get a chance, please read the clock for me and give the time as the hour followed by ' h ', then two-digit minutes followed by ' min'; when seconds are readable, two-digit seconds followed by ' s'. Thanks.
5 h 23 min
